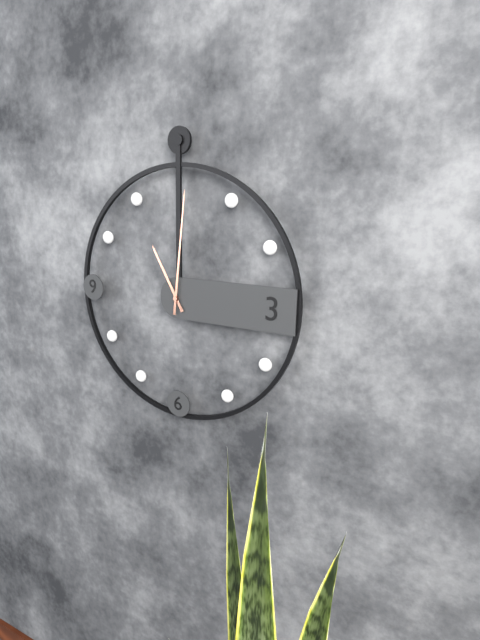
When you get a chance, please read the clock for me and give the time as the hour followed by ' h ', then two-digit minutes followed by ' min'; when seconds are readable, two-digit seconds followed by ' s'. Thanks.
11 h 01 min
